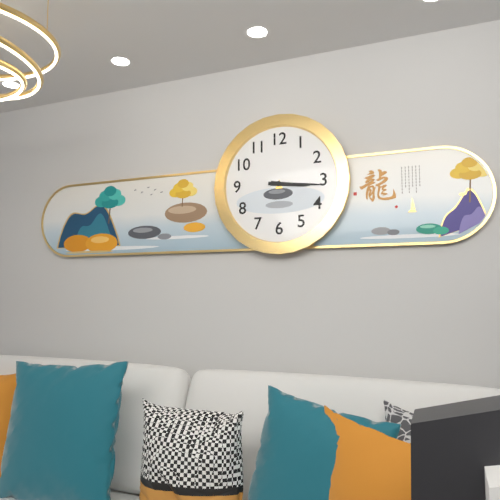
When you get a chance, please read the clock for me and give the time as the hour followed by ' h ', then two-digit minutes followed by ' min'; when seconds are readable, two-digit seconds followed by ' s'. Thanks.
3 h 16 min
